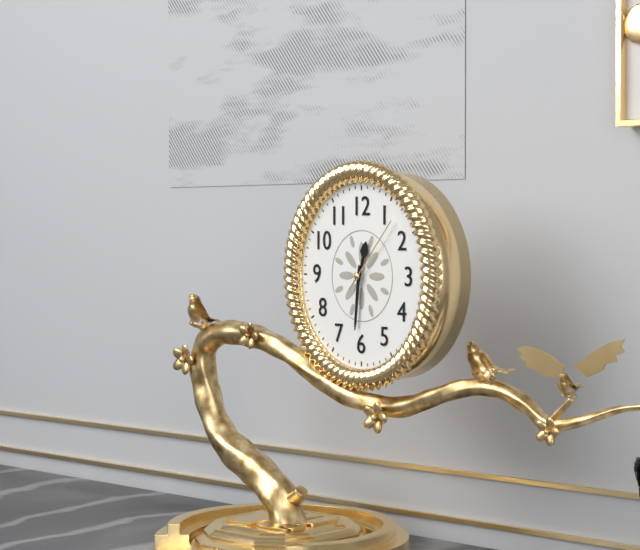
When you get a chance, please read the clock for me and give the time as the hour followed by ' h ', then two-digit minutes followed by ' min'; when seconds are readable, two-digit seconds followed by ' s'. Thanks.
12 h 31 min 07 s
